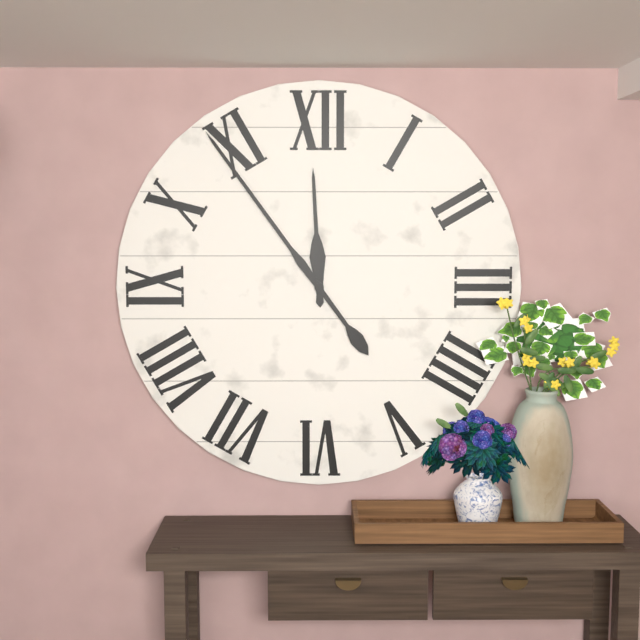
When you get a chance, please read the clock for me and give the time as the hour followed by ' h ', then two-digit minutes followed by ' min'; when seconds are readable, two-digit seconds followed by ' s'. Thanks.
11 h 54 min
